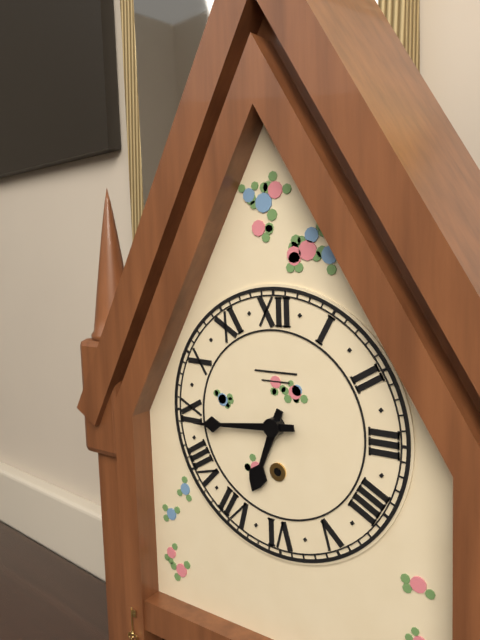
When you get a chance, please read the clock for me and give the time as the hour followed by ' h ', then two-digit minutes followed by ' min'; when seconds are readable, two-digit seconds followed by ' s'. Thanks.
6 h 44 min
